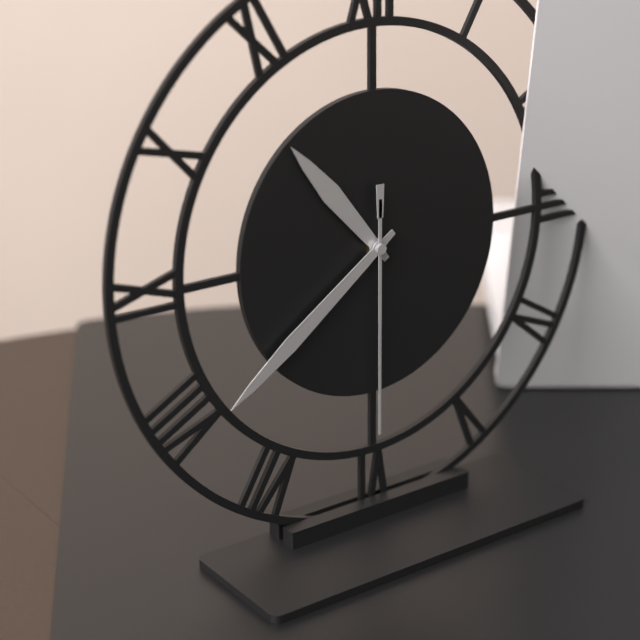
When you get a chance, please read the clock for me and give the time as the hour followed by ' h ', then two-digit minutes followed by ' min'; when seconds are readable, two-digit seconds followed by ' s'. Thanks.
10 h 39 min 30 s
